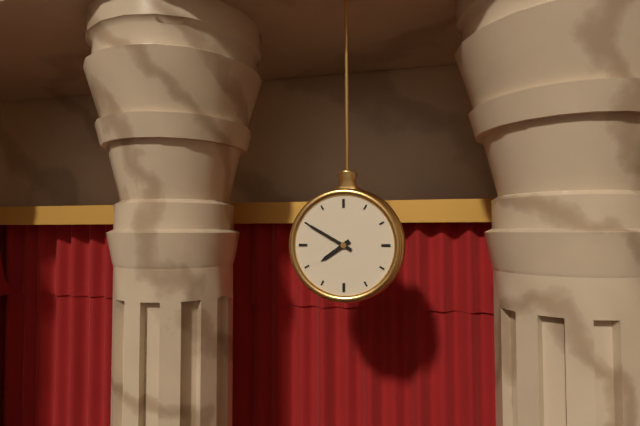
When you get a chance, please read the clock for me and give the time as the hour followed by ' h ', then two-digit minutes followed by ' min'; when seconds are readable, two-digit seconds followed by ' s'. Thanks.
7 h 50 min
